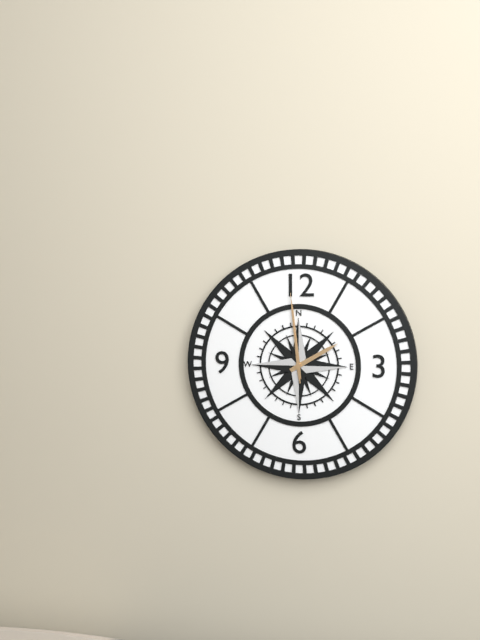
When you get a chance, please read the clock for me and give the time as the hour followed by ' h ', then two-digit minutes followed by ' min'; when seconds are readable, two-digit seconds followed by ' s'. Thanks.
1 h 59 min 59 s
